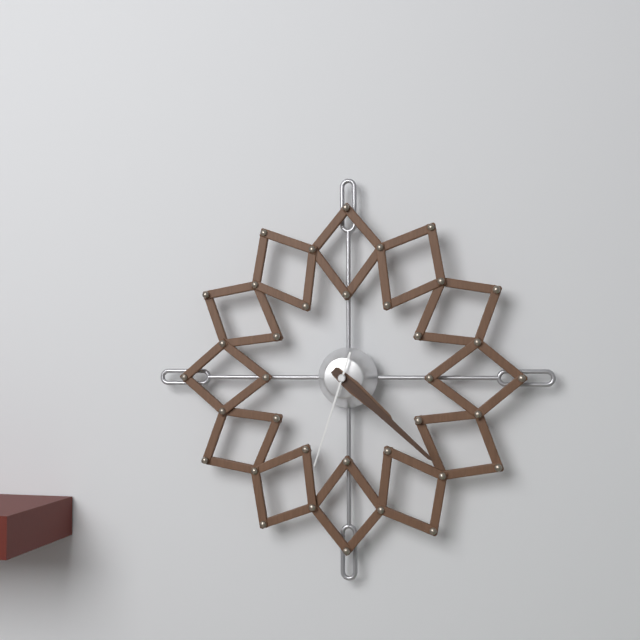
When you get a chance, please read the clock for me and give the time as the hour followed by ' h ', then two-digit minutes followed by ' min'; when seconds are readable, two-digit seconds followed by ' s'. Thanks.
4 h 22 min 33 s
